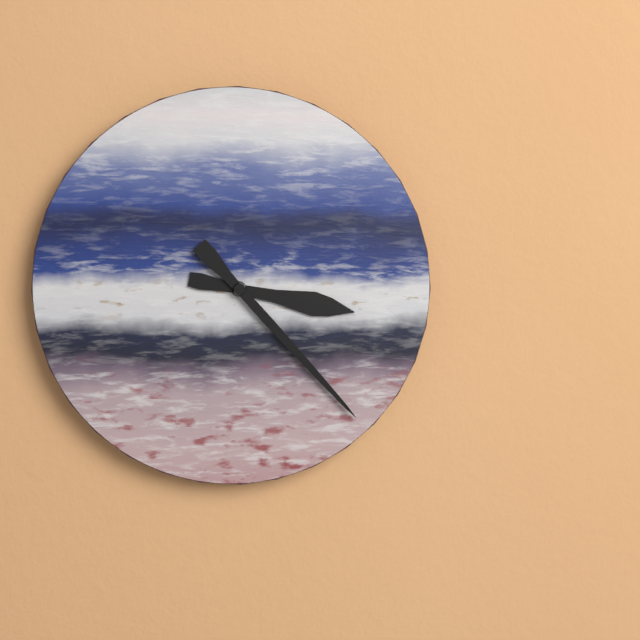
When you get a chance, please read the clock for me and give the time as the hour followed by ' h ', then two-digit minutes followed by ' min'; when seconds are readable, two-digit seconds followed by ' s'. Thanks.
3 h 23 min
